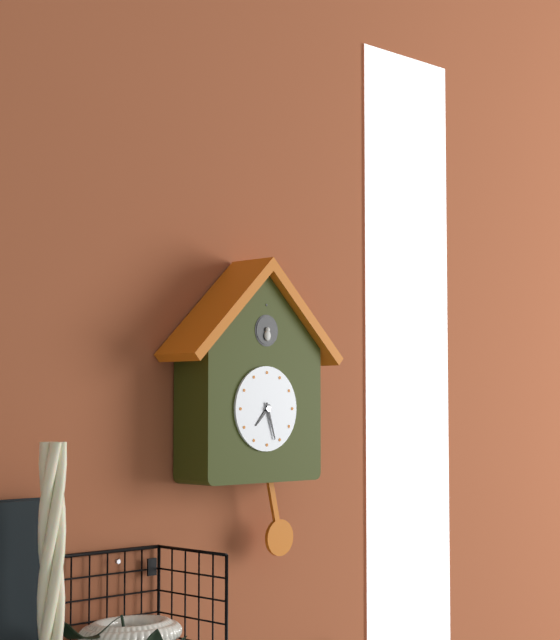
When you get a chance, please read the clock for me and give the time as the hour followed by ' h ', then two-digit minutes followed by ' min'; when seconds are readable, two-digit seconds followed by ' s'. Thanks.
7 h 27 min
